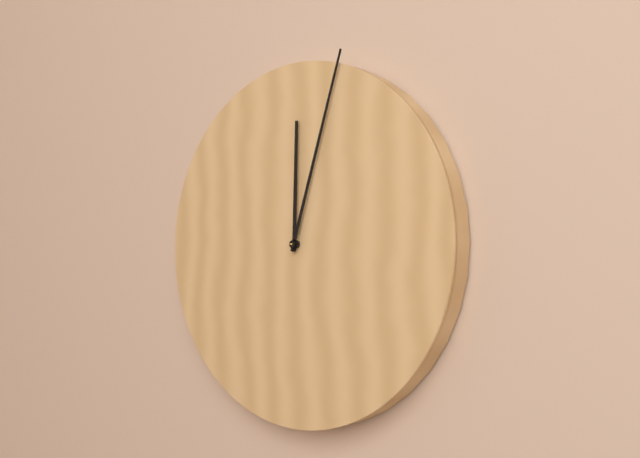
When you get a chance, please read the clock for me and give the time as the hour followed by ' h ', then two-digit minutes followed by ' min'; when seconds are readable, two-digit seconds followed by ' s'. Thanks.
12 h 03 min
